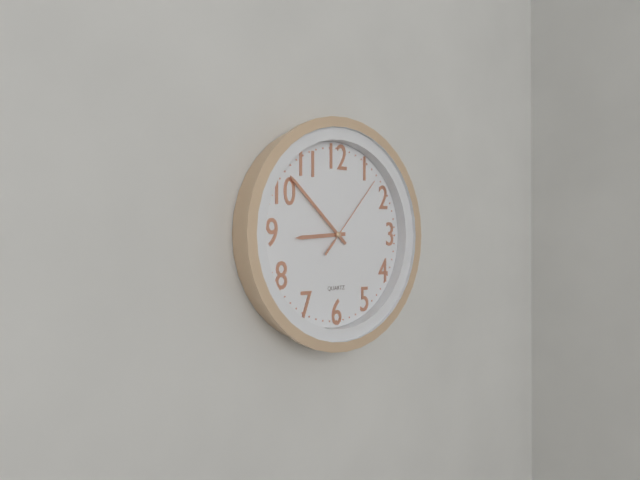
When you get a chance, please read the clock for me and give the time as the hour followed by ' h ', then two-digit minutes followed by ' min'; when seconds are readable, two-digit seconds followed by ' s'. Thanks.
8 h 52 min 07 s
